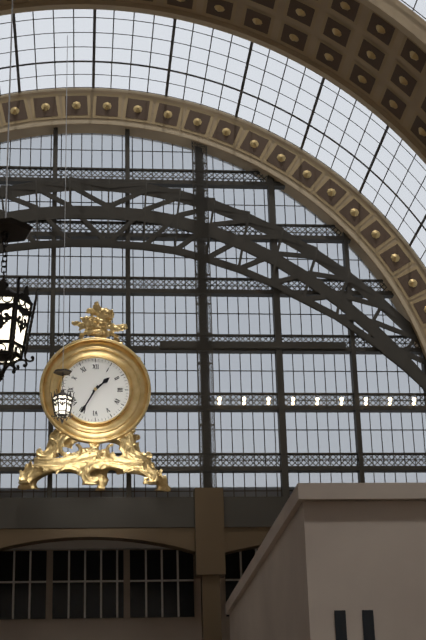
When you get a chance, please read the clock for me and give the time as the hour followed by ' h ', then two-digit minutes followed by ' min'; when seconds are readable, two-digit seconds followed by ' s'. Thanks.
1 h 35 min
